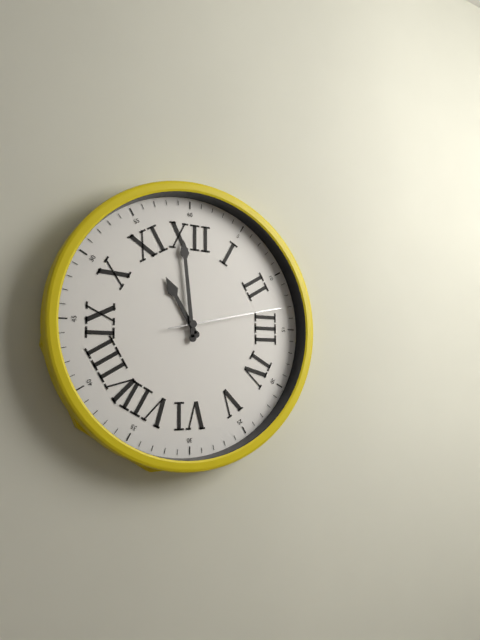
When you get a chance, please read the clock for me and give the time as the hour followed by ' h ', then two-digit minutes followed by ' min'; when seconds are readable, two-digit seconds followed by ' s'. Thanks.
10 h 59 min 13 s
